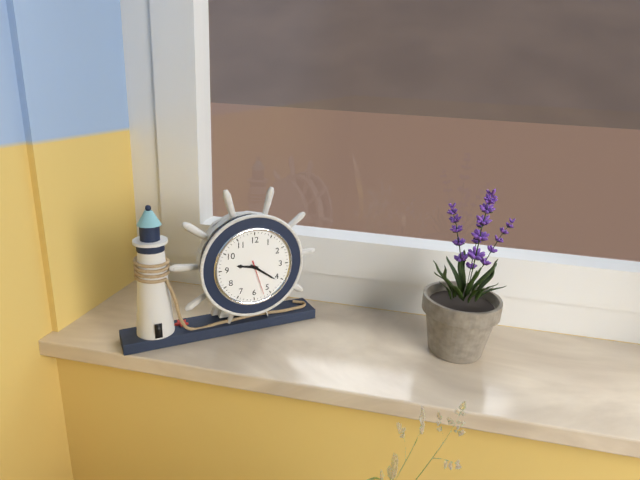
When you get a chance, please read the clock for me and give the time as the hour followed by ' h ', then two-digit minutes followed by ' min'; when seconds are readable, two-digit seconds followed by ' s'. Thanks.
9 h 21 min
